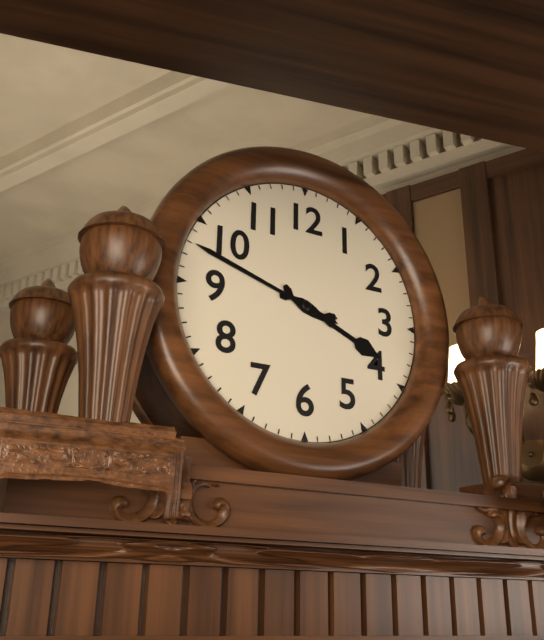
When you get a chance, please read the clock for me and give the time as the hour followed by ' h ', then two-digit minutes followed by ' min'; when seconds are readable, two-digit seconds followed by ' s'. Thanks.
3 h 48 min
